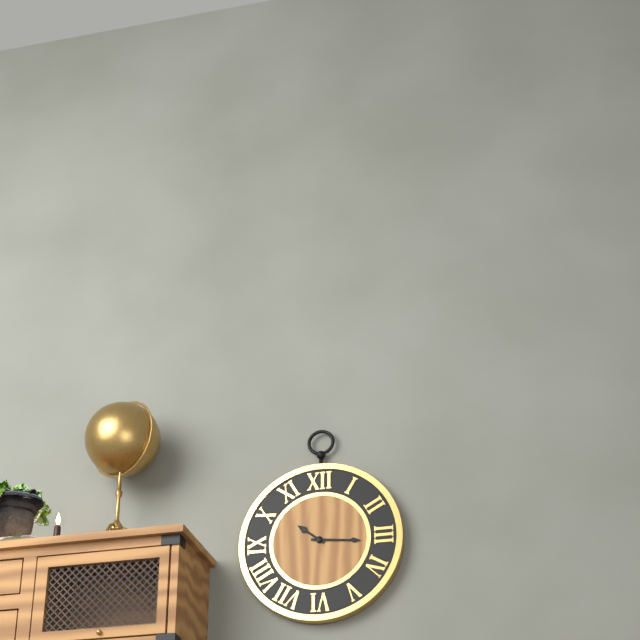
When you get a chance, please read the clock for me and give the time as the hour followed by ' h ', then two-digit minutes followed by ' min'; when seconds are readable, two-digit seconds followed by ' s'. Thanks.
10 h 16 min
